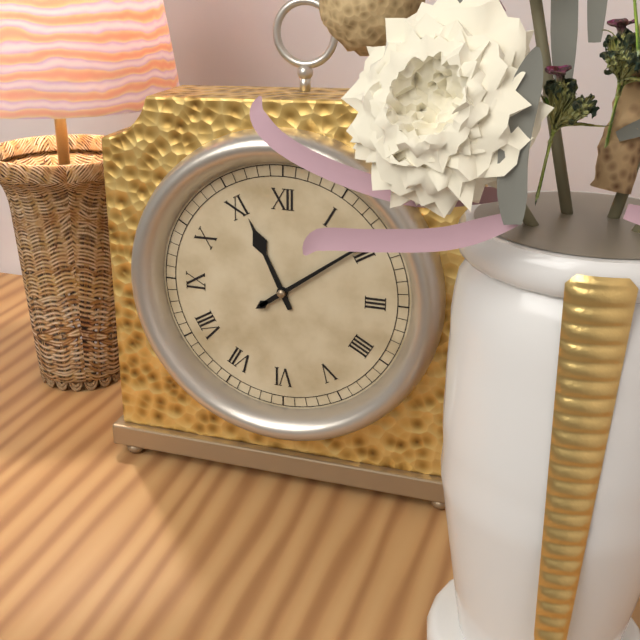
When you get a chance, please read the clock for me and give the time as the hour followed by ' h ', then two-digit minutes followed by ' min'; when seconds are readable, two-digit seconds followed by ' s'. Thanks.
11 h 09 min
